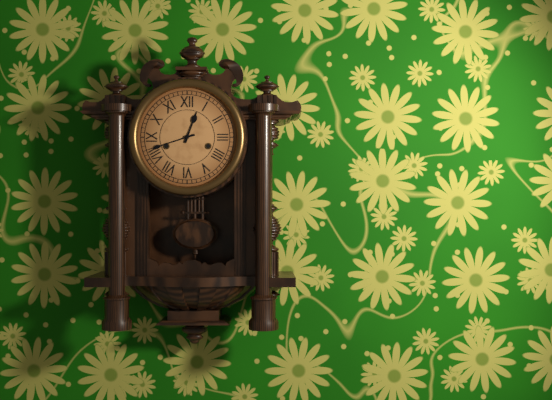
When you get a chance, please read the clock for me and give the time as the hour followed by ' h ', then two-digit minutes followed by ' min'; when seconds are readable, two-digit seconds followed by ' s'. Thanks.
12 h 42 min
